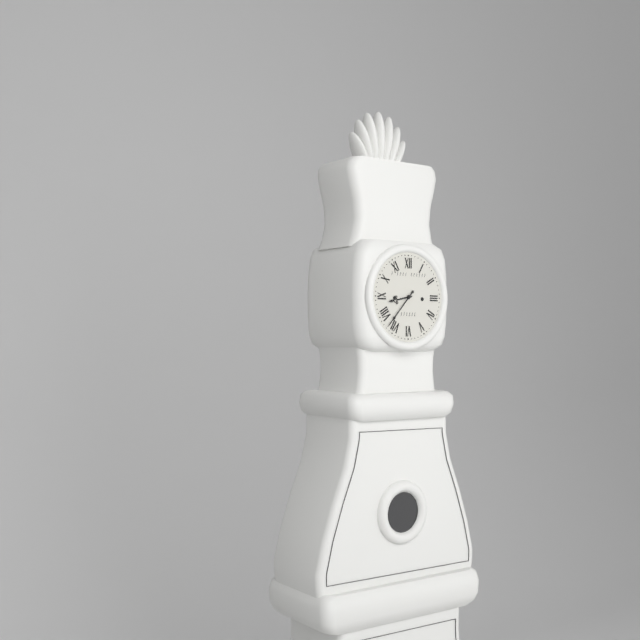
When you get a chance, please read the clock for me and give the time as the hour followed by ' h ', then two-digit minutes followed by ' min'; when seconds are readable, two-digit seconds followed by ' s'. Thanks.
8 h 37 min
